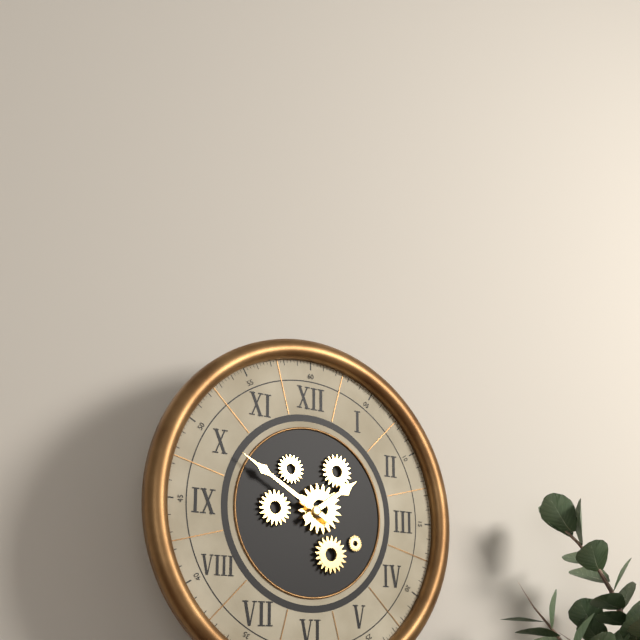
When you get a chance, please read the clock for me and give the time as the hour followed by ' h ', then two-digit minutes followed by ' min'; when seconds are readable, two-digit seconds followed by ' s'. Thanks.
1 h 50 min
